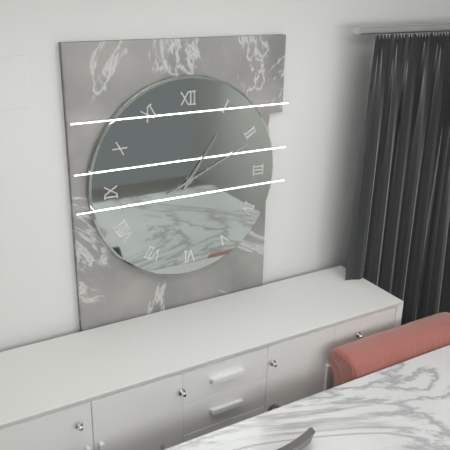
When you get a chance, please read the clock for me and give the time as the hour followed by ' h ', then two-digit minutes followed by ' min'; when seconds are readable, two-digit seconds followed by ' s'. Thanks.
1 h 11 min
